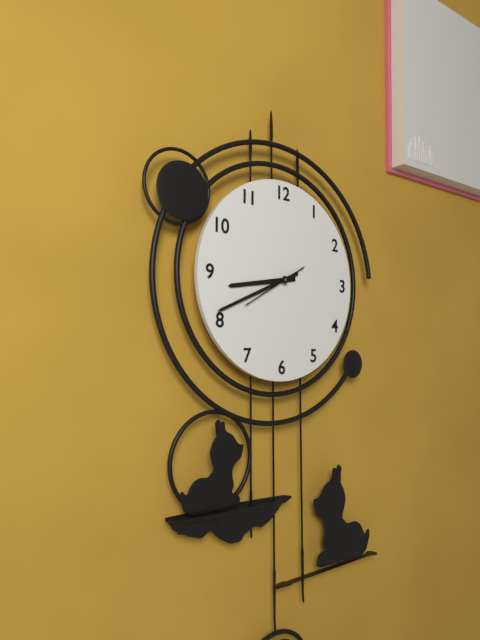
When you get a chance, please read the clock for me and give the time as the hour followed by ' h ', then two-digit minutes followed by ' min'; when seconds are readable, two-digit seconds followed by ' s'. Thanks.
8 h 41 min 40 s
